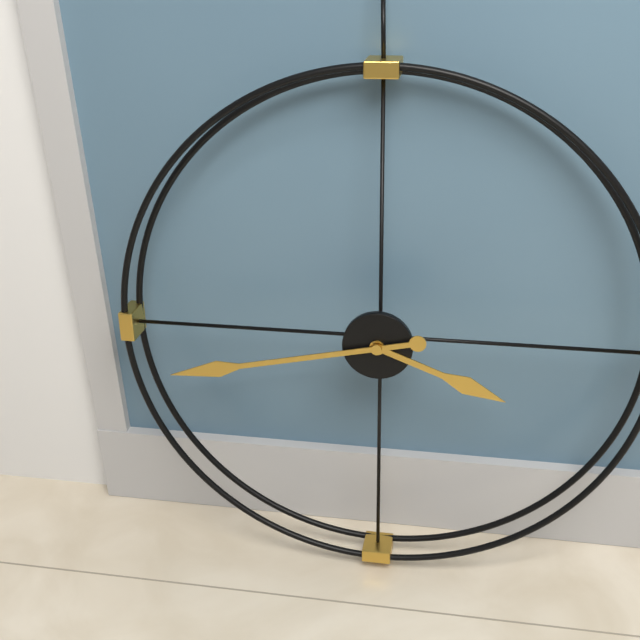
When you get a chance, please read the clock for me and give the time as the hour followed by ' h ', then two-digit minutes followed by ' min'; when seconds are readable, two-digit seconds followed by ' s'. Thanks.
3 h 43 min
